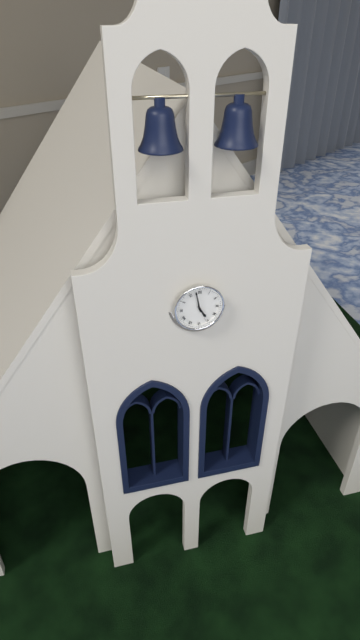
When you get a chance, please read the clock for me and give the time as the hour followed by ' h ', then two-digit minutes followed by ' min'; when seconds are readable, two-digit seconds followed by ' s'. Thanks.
4 h 58 min
